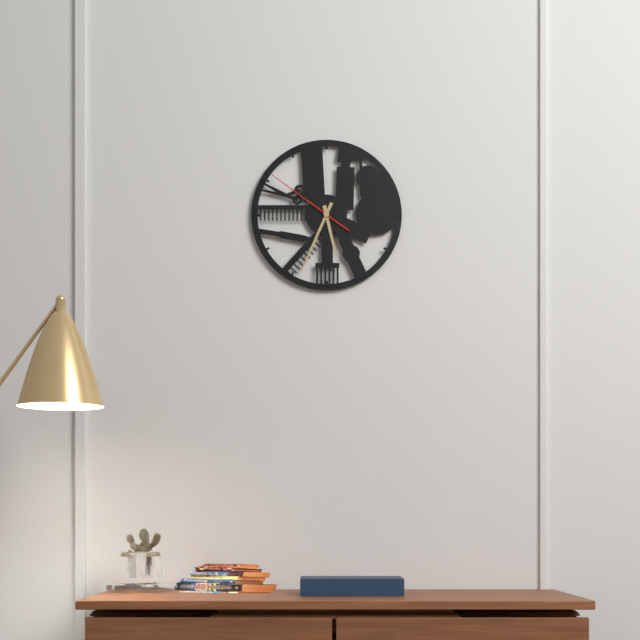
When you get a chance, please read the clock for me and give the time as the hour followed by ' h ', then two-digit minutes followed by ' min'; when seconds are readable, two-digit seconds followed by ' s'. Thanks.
5 h 34 min 51 s
